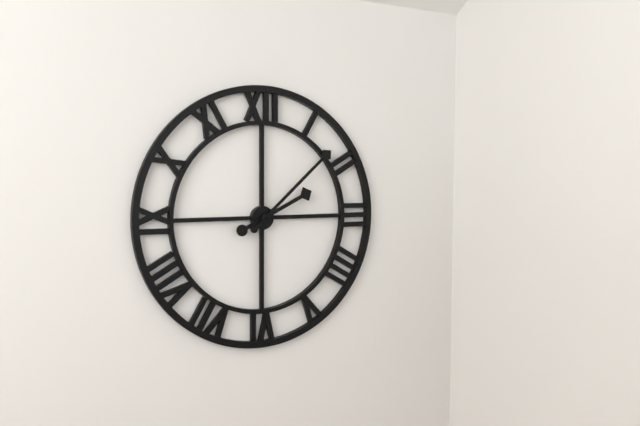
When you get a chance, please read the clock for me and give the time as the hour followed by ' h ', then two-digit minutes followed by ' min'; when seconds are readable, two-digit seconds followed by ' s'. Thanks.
2 h 08 min
